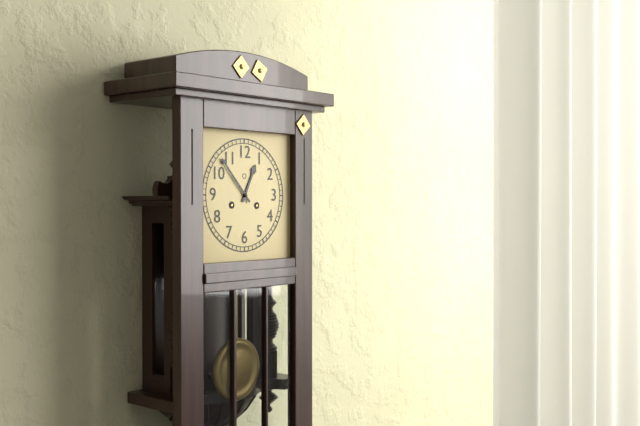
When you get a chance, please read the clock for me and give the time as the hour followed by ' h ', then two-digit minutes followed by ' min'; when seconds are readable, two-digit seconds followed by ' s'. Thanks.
12 h 53 min
